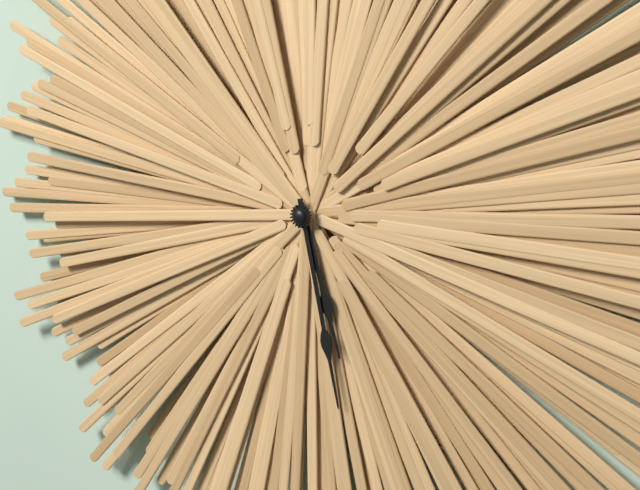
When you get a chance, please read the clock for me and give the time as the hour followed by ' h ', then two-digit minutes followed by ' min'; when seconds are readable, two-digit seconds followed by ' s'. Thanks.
5 h 28 min
